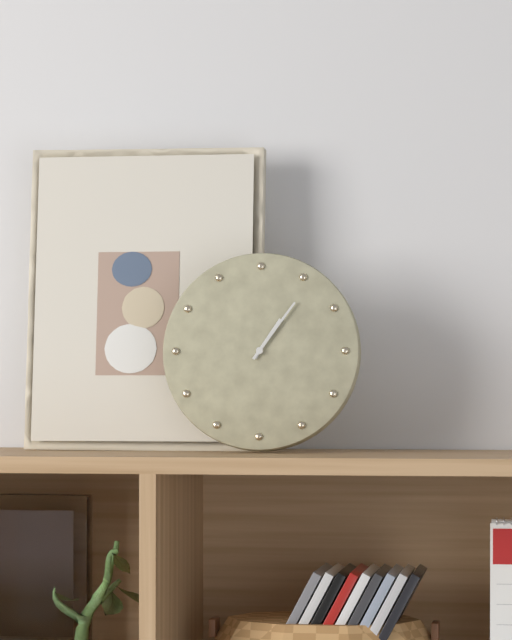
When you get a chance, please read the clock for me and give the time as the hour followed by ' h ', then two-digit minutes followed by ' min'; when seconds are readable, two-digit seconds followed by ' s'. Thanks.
1 h 06 min
